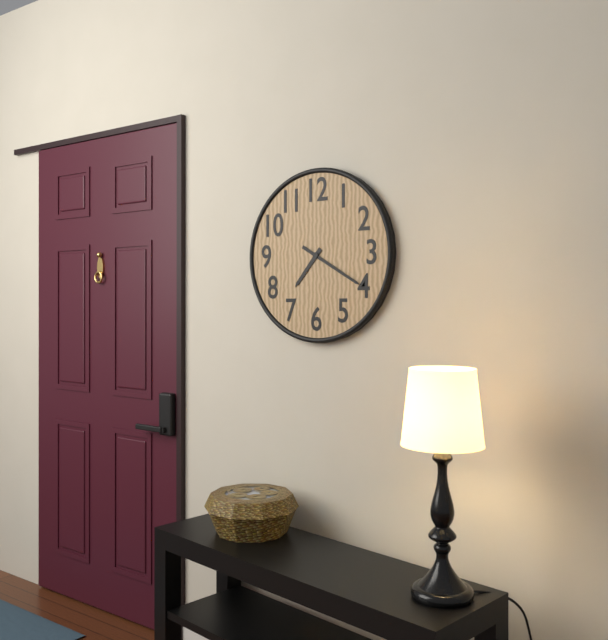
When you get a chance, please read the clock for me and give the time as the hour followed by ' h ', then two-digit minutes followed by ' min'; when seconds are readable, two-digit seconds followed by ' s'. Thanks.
7 h 20 min
